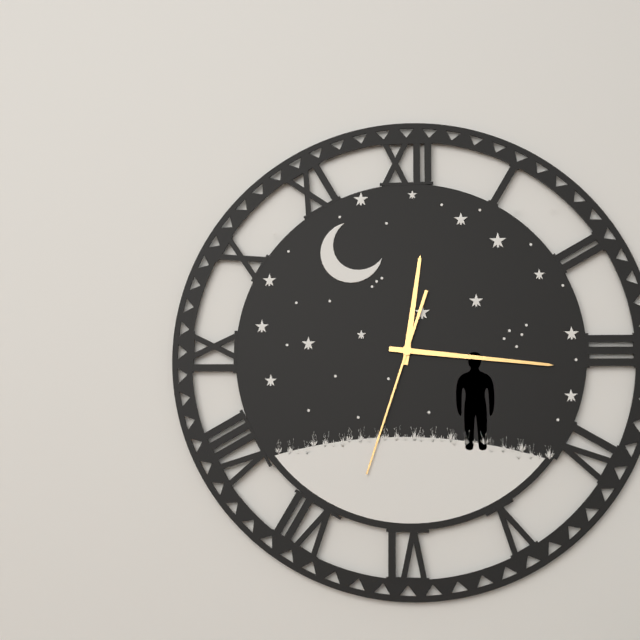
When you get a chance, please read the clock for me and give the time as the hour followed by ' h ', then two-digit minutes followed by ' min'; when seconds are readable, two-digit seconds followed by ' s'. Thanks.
12 h 16 min 33 s
